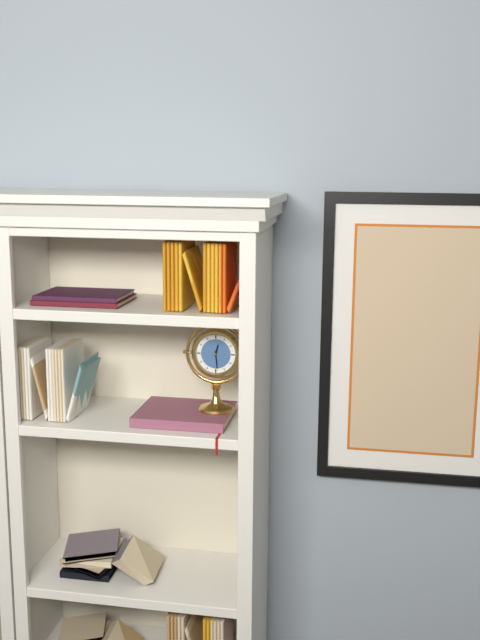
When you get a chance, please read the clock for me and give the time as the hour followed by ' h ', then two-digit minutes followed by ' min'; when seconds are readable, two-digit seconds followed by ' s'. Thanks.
12 h 29 min
